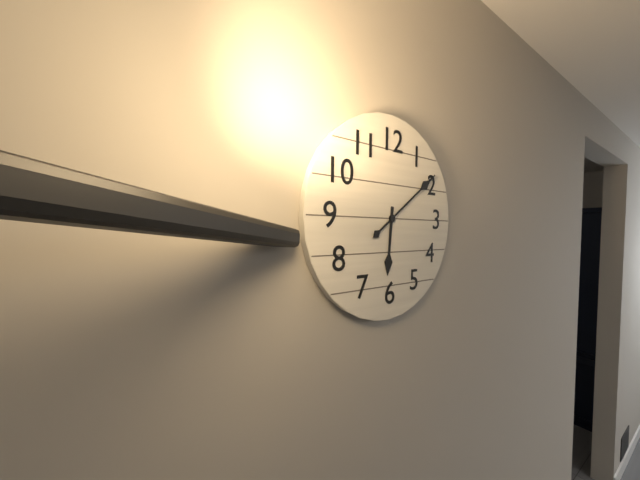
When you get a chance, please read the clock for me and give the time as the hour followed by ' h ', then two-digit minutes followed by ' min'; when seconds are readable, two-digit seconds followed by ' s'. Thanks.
6 h 09 min
